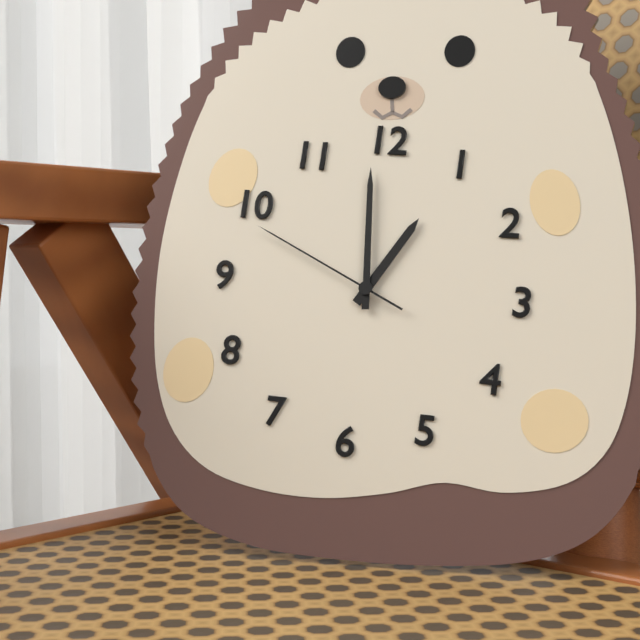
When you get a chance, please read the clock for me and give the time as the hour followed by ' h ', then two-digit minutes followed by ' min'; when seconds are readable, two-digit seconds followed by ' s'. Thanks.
12 h 59 min 49 s
